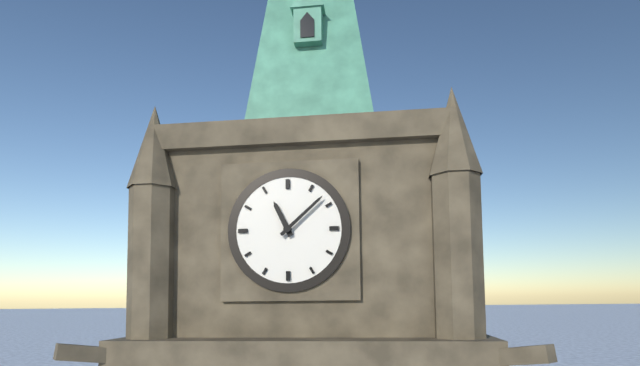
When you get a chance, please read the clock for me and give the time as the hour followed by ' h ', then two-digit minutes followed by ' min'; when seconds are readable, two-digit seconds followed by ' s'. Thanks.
11 h 08 min
